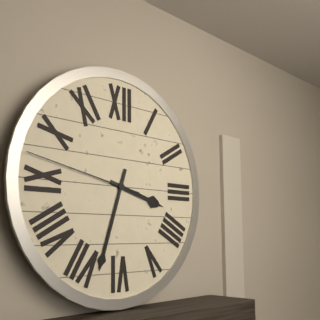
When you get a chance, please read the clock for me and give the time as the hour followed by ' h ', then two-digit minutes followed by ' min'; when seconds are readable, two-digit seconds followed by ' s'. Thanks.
3 h 33 min 47 s
